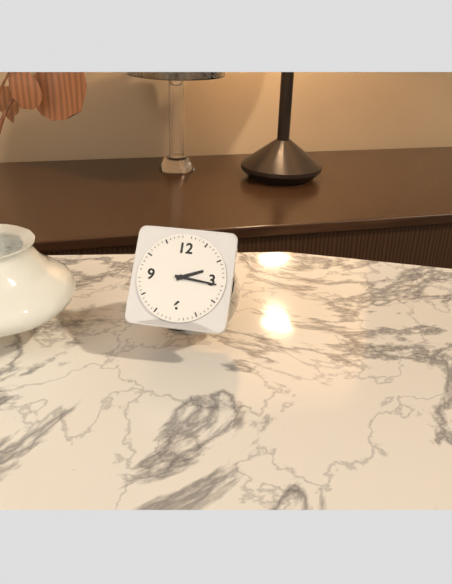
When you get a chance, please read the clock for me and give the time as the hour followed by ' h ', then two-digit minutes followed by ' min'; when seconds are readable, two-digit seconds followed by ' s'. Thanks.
2 h 16 min
